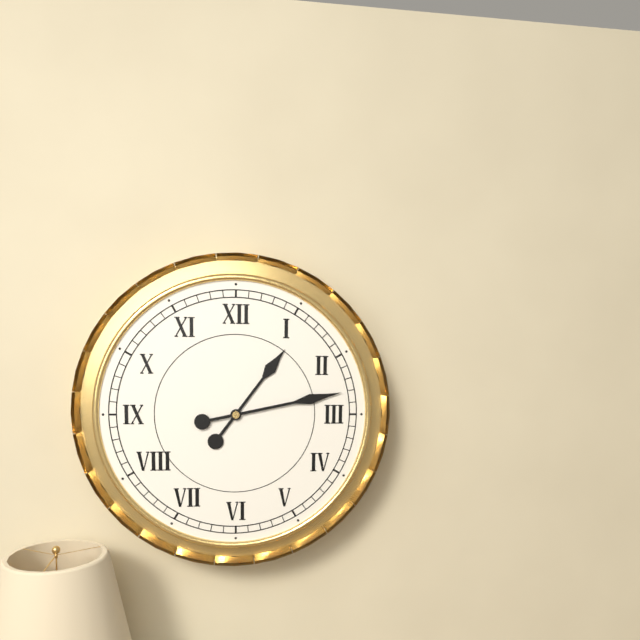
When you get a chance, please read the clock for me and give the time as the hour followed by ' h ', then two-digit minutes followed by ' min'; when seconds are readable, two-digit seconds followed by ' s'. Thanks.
1 h 13 min
